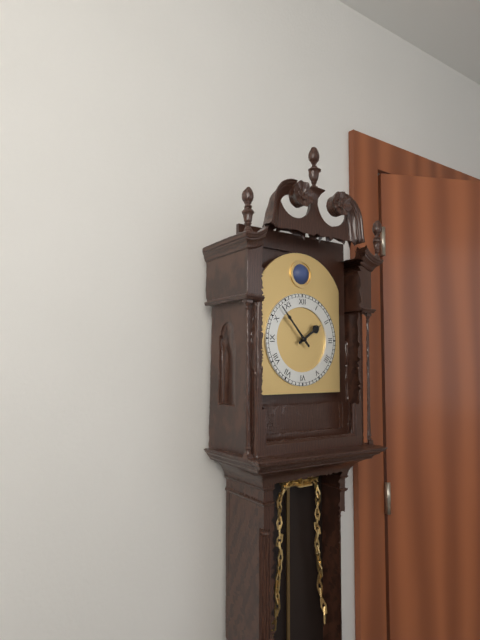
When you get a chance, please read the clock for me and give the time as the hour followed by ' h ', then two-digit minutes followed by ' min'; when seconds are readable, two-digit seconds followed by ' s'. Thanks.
1 h 53 min
